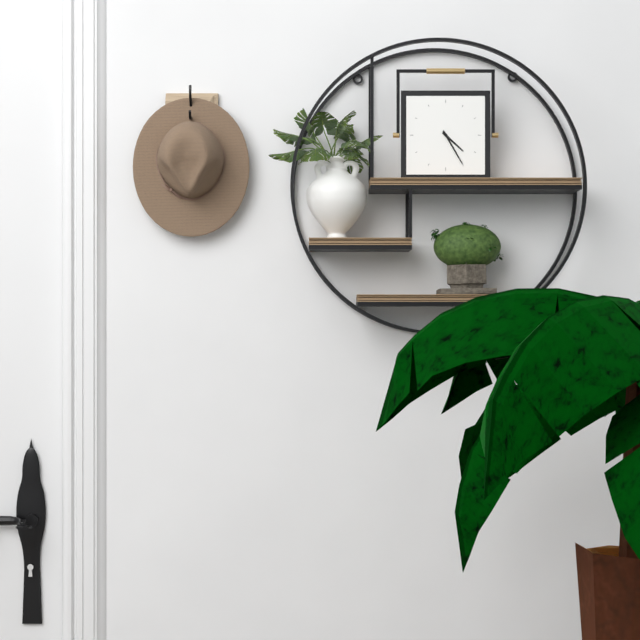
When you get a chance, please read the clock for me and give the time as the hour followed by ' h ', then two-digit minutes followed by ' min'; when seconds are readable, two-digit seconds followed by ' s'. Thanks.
4 h 25 min
